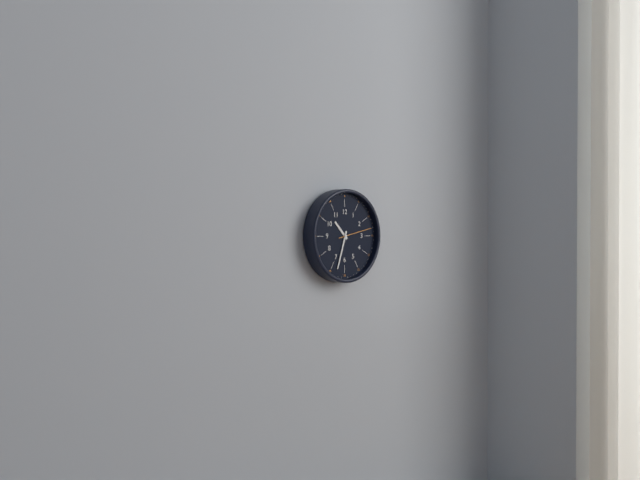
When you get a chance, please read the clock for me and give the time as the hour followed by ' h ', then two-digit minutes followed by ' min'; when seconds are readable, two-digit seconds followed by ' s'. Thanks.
10 h 33 min
